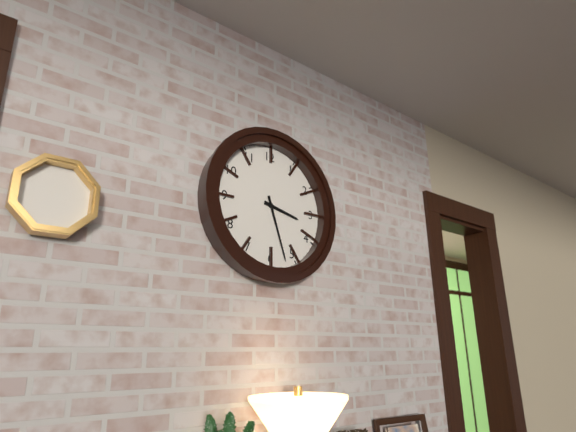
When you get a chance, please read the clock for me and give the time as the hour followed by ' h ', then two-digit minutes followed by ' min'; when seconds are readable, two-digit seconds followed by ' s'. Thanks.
3 h 27 min
